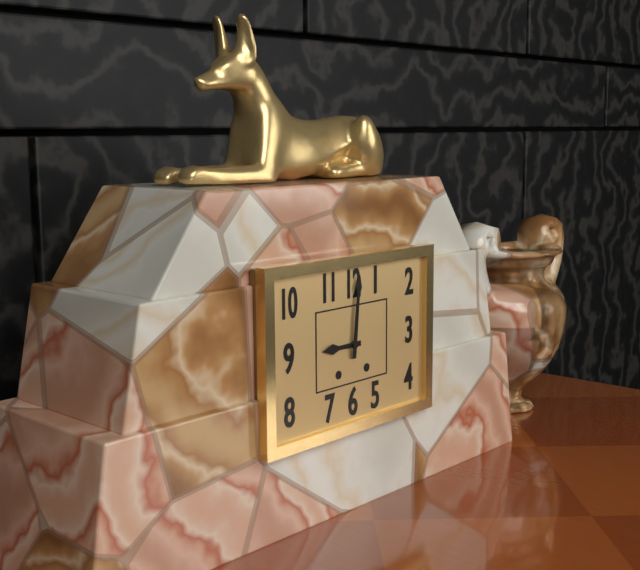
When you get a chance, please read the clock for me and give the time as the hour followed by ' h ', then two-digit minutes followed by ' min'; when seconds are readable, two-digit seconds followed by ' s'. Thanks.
9 h 01 min
